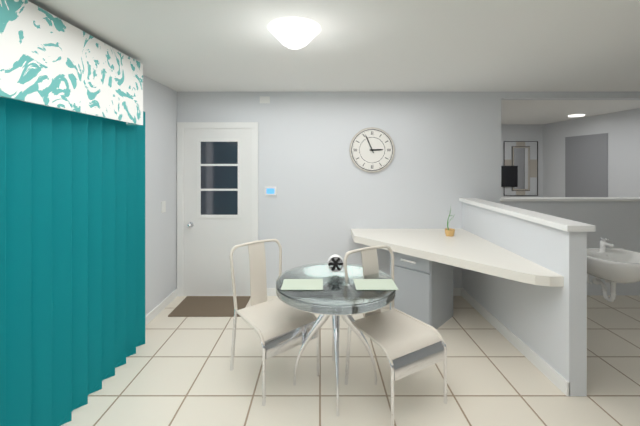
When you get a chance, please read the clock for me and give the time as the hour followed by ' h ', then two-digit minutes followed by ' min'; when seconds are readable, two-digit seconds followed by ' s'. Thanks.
2 h 56 min
